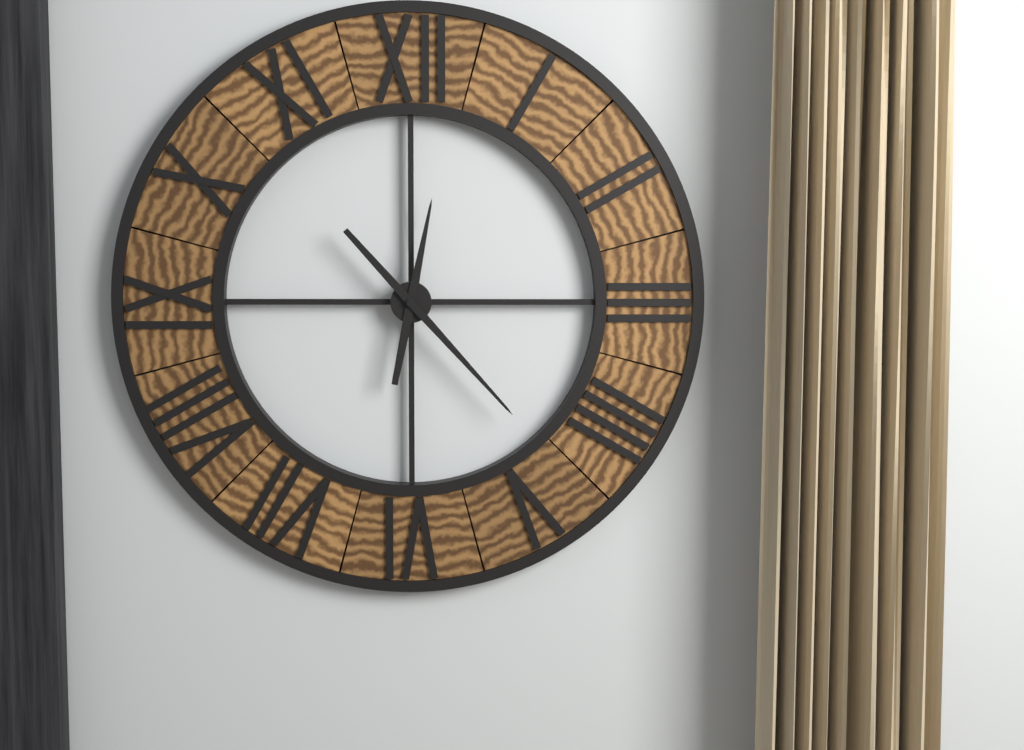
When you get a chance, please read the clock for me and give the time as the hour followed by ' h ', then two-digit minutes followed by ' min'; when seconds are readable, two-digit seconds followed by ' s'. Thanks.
12 h 23 min
